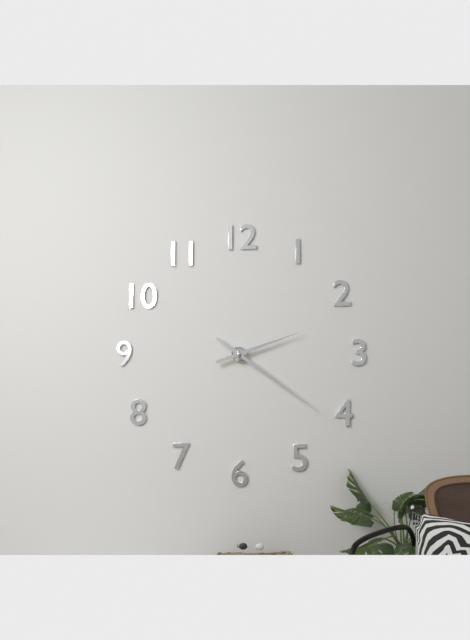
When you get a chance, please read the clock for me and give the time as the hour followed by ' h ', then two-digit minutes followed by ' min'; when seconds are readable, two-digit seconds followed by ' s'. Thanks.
2 h 21 min
